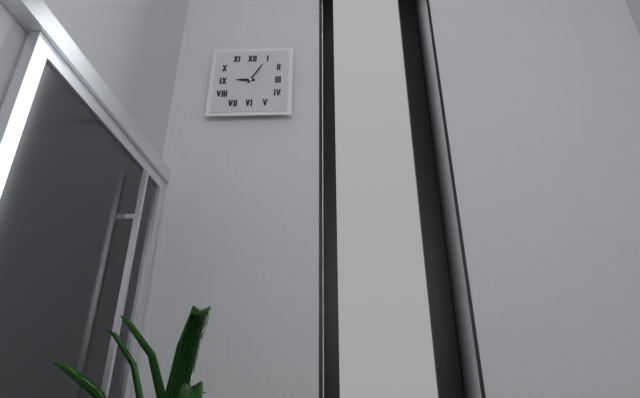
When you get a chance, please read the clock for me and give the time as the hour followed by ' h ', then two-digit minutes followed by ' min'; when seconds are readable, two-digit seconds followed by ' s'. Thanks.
9 h 05 min
